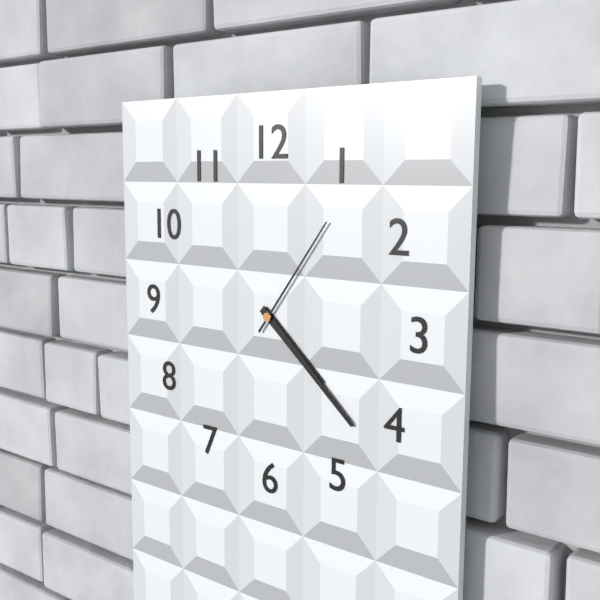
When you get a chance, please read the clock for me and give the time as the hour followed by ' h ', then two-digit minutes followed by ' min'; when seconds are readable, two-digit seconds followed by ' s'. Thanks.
4 h 22 min 06 s
